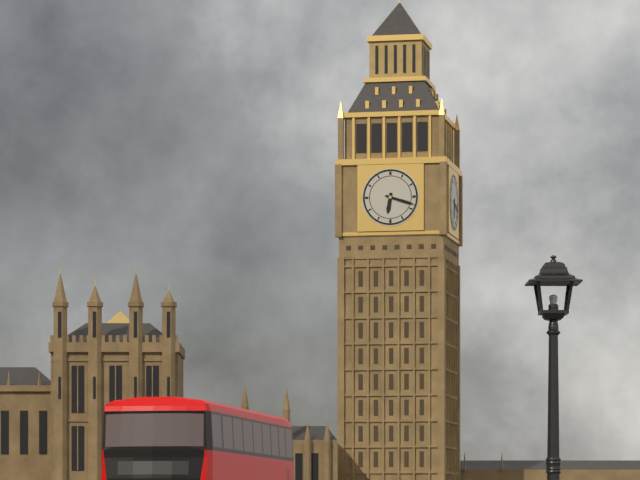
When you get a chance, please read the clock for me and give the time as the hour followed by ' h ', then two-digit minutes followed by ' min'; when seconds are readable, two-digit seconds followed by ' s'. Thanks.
6 h 18 min
